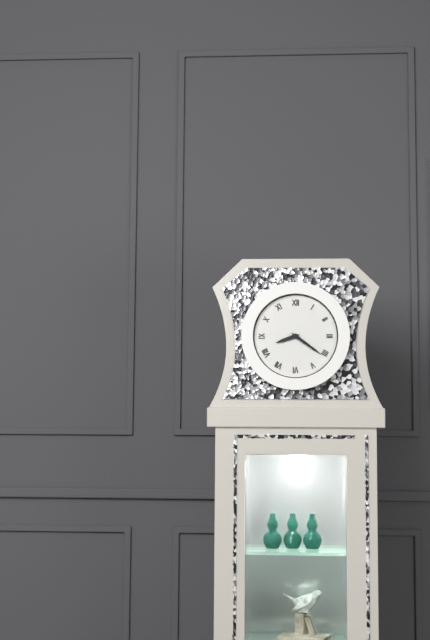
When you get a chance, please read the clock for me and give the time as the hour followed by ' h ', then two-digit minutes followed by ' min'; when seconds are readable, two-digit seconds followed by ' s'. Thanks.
8 h 21 min
